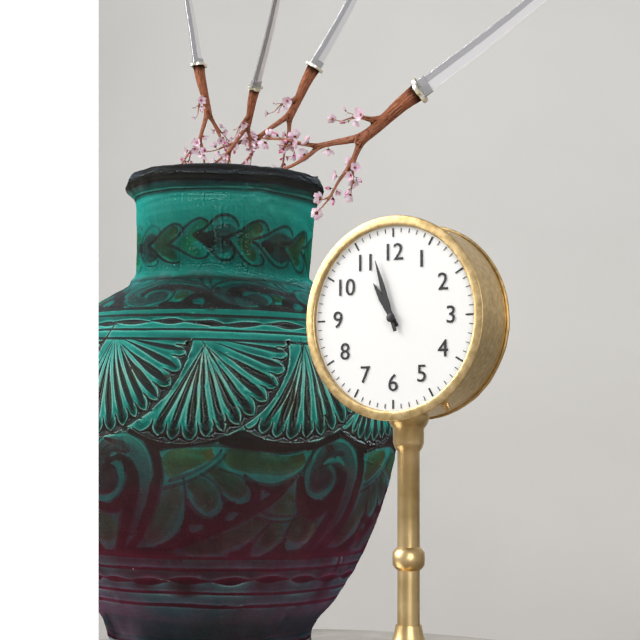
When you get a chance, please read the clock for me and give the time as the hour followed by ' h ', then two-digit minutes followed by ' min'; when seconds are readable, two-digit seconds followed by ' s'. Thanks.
10 h 57 min
